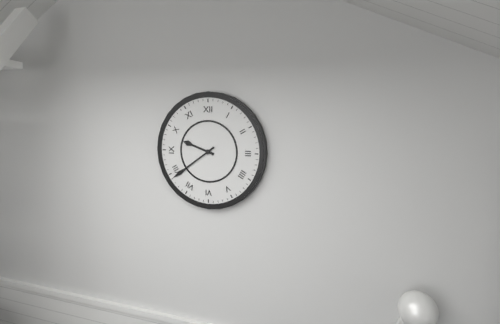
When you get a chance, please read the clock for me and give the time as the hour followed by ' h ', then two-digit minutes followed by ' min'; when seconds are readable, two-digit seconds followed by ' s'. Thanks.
9 h 39 min
